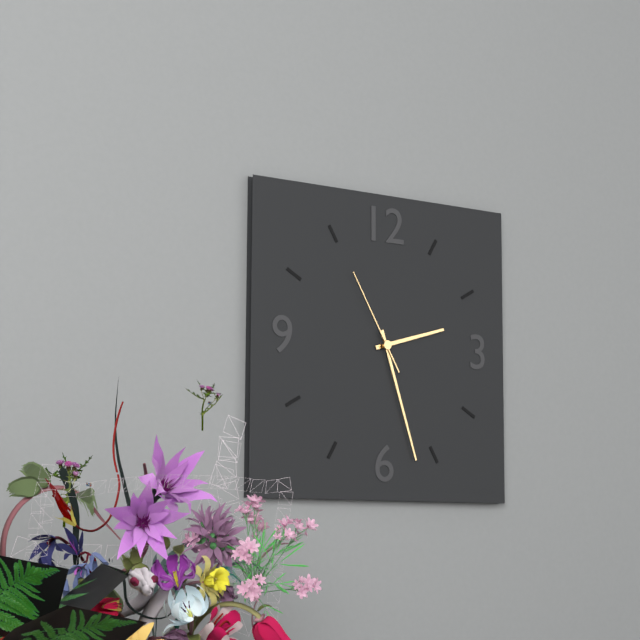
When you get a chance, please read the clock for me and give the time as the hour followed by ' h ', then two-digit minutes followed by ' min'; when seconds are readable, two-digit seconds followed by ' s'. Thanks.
2 h 27 min 55 s
